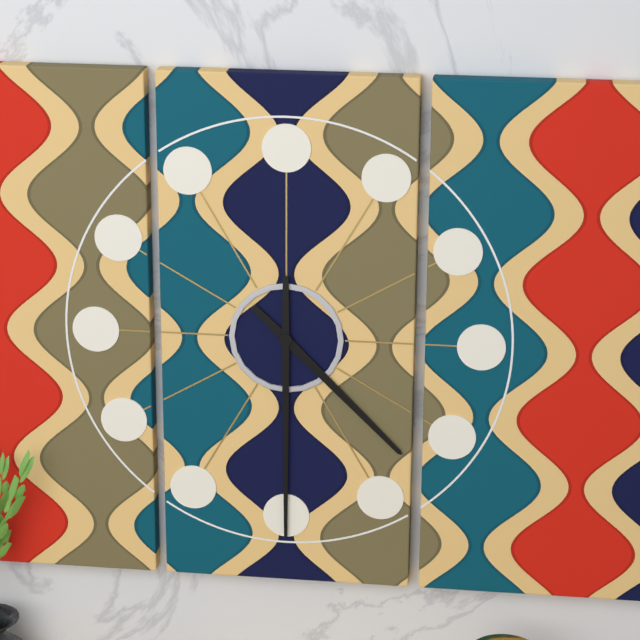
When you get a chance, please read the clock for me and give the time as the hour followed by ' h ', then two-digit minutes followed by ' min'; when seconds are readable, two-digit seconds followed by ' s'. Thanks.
4 h 30 min
